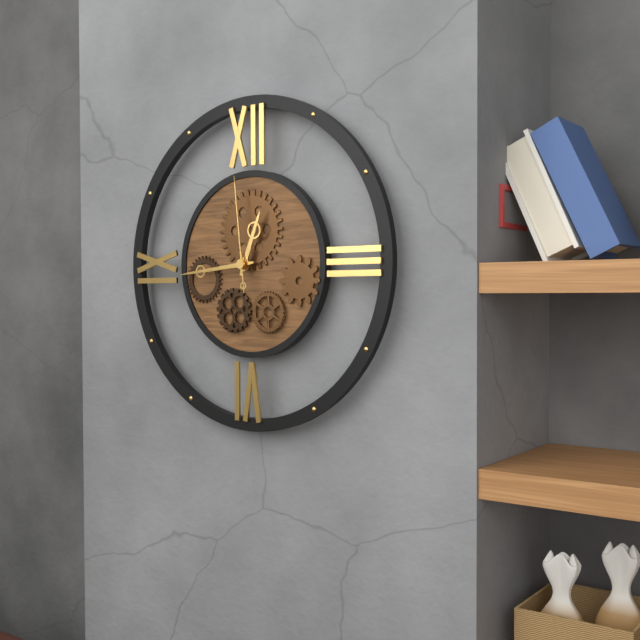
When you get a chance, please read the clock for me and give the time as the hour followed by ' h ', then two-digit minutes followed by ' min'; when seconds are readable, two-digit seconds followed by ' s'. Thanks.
12 h 44 min 59 s
